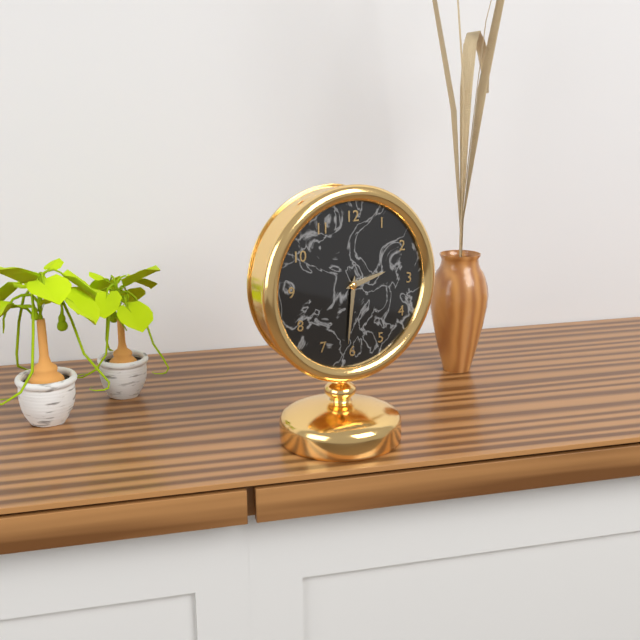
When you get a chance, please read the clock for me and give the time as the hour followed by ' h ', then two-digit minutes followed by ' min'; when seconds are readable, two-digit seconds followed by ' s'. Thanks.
2 h 31 min
